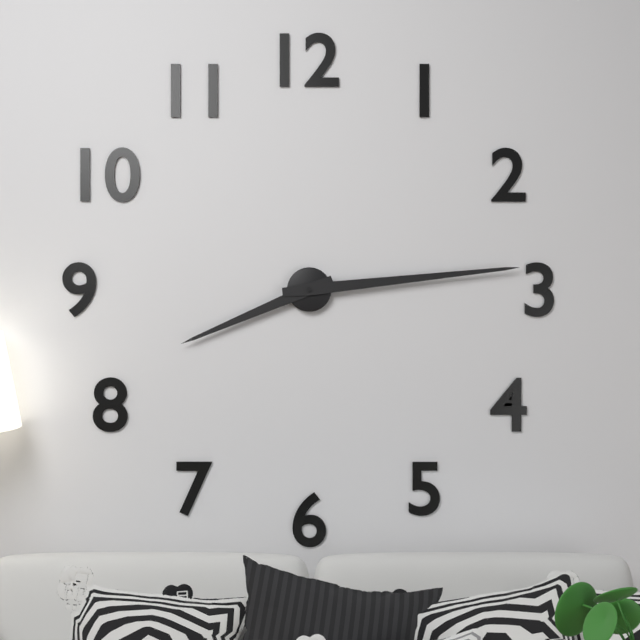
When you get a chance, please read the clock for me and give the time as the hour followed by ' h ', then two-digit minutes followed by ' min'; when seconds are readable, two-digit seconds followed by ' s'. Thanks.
8 h 14 min
